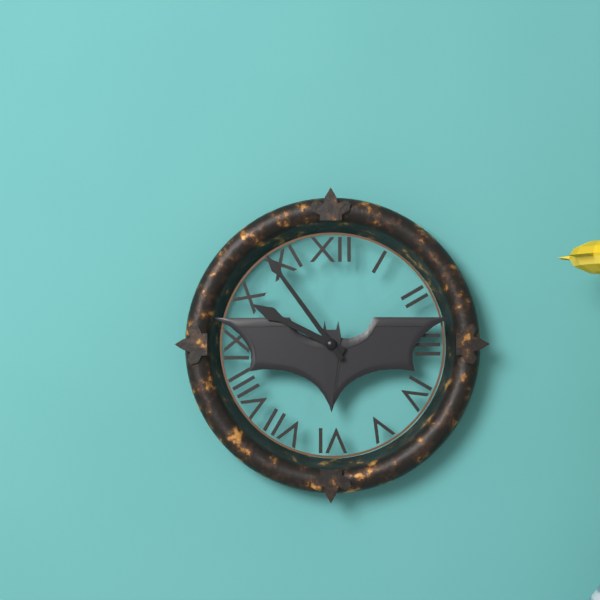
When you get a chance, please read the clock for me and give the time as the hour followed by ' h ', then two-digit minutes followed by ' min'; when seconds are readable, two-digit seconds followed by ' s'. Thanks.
9 h 54 min
